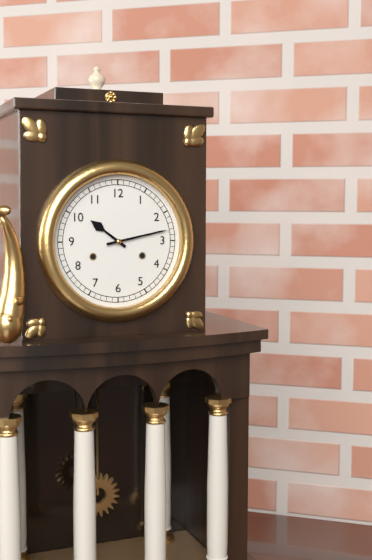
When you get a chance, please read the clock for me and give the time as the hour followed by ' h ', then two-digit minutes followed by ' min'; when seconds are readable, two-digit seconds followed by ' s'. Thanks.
10 h 13 min
